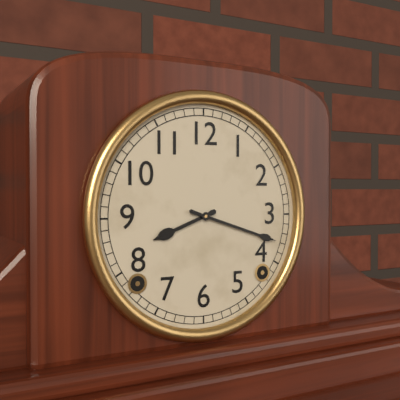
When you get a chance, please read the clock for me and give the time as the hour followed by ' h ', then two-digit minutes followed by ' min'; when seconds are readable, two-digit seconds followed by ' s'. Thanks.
8 h 18 min
